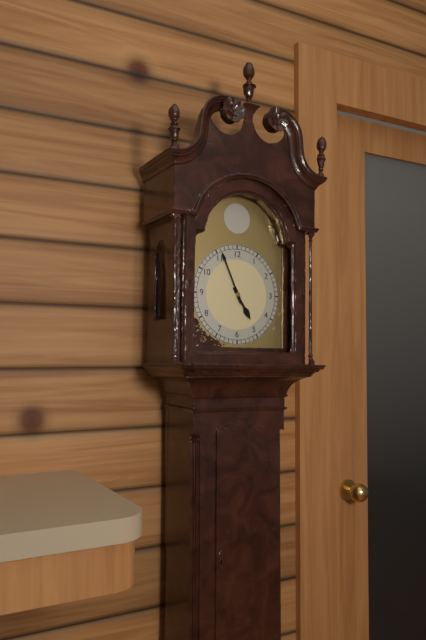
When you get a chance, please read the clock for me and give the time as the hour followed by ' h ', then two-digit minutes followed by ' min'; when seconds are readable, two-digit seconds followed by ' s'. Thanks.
4 h 56 min
